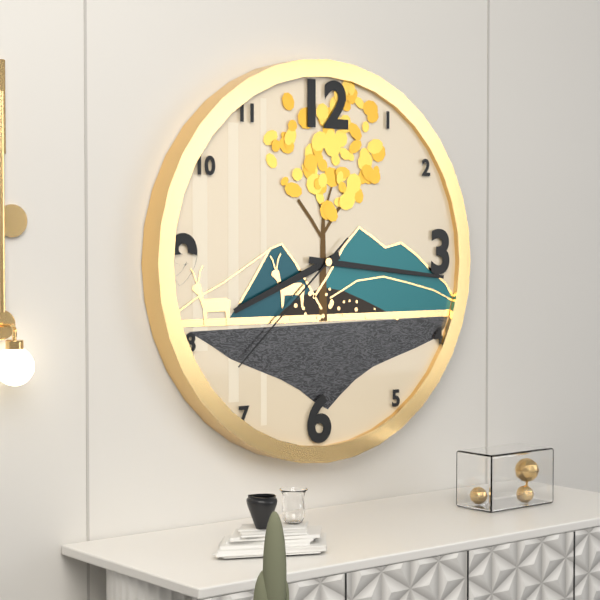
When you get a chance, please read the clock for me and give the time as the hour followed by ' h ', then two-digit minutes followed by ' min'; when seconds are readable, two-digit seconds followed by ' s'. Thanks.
8 h 16 min 38 s
